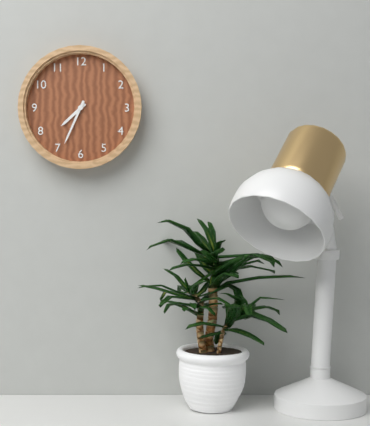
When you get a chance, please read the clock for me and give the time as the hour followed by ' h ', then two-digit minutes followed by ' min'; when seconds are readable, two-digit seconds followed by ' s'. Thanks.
7 h 34 min
